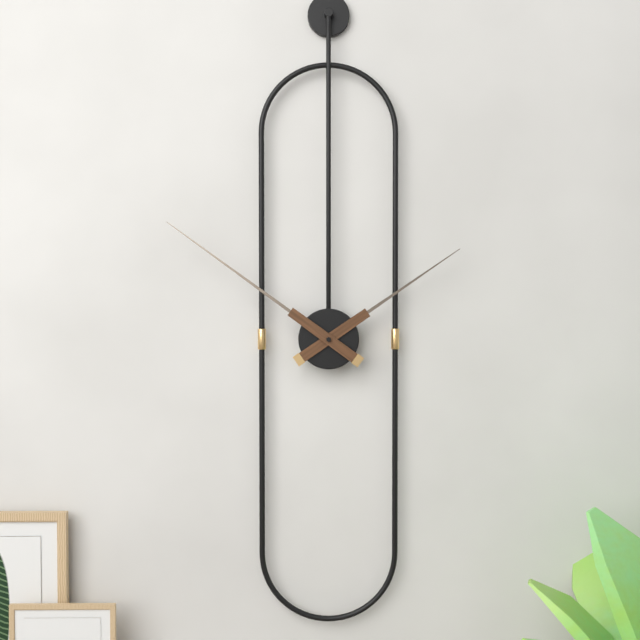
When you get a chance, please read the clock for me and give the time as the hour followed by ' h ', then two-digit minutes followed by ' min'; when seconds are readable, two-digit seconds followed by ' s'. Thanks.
1 h 51 min
